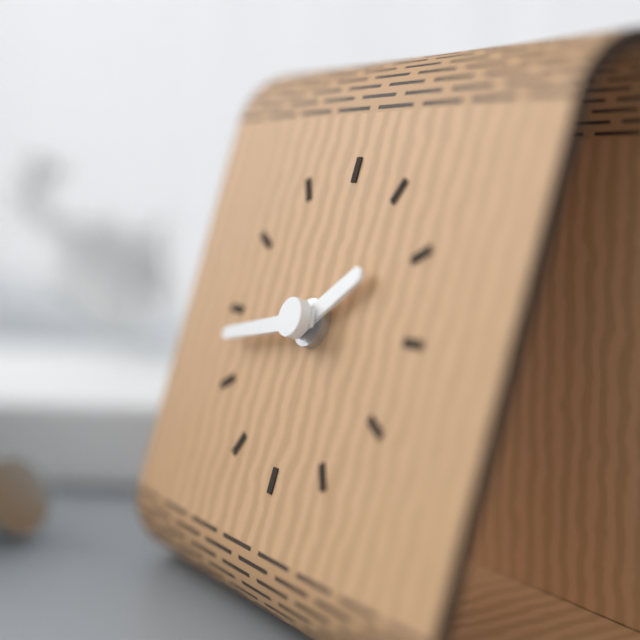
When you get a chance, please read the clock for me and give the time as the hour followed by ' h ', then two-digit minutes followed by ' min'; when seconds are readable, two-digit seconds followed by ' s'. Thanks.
1 h 43 min
